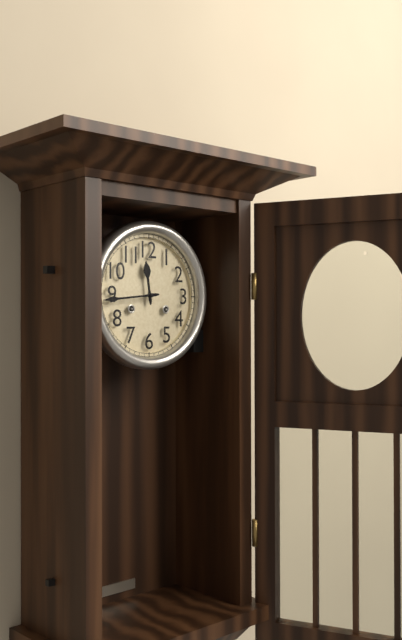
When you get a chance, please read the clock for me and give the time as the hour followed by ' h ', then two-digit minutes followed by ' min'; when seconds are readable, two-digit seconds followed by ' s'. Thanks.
11 h 44 min
